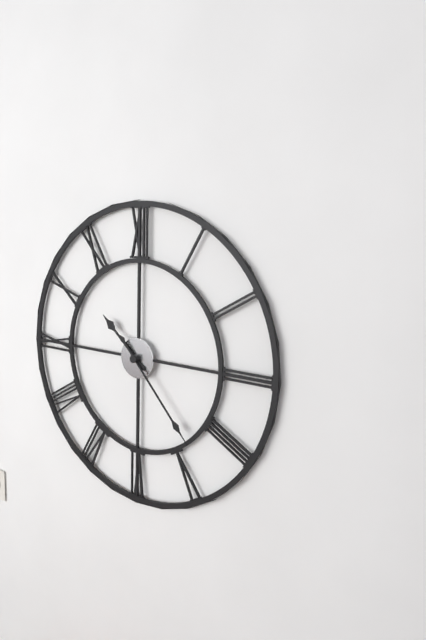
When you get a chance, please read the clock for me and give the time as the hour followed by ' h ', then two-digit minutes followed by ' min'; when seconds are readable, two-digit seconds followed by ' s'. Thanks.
10 h 23 min
